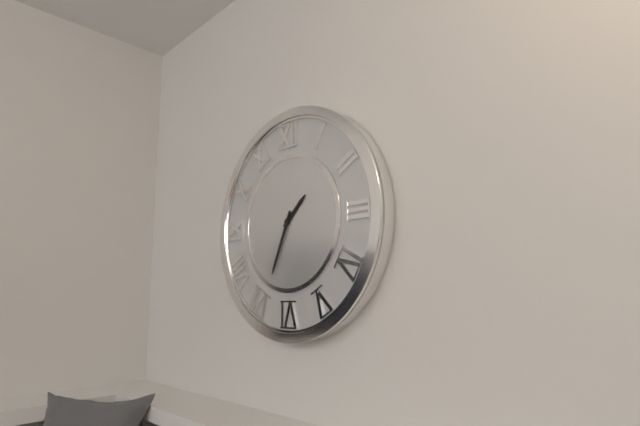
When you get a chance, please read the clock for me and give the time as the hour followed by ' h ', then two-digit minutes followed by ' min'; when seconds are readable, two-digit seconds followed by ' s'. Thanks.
1 h 34 min
